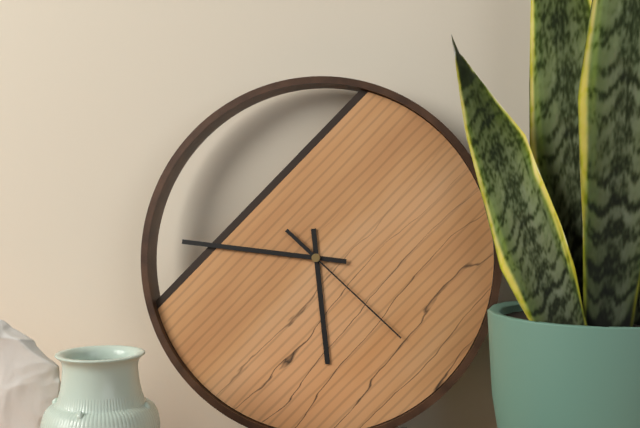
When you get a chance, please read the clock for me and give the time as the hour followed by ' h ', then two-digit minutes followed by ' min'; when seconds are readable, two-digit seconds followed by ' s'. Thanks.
5 h 46 min 22 s
